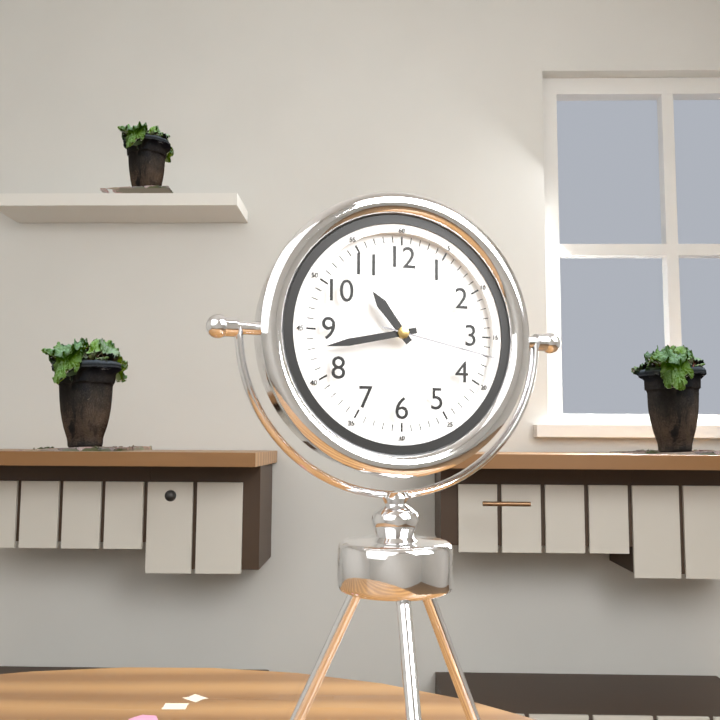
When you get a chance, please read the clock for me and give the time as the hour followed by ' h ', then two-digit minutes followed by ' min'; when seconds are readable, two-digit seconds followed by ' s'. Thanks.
10 h 43 min 17 s
